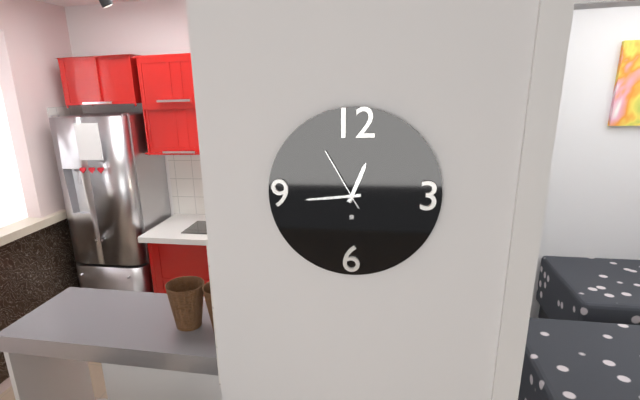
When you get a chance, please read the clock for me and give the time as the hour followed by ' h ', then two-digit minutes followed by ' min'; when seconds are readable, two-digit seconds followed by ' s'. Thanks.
12 h 44 min 55 s
